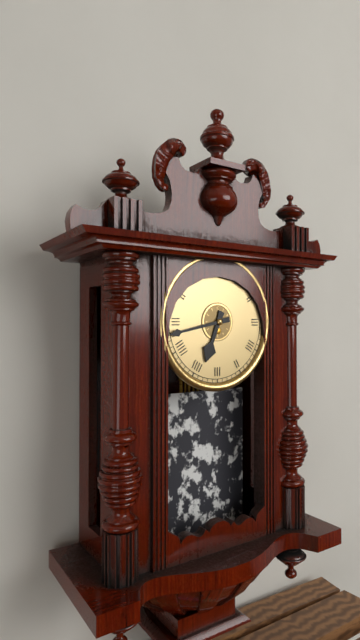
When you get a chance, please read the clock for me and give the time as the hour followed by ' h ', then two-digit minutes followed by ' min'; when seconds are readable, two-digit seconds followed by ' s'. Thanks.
6 h 43 min
